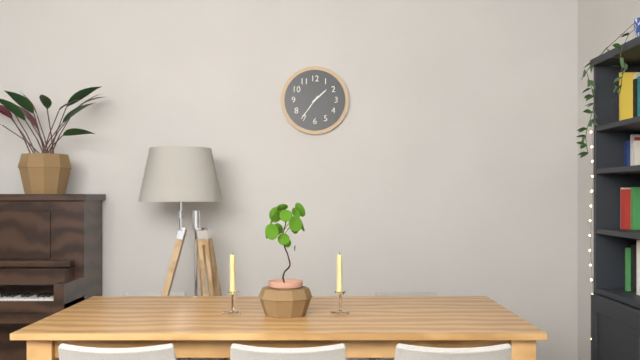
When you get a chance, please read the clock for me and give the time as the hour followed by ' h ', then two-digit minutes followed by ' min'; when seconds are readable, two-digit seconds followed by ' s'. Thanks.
1 h 36 min
